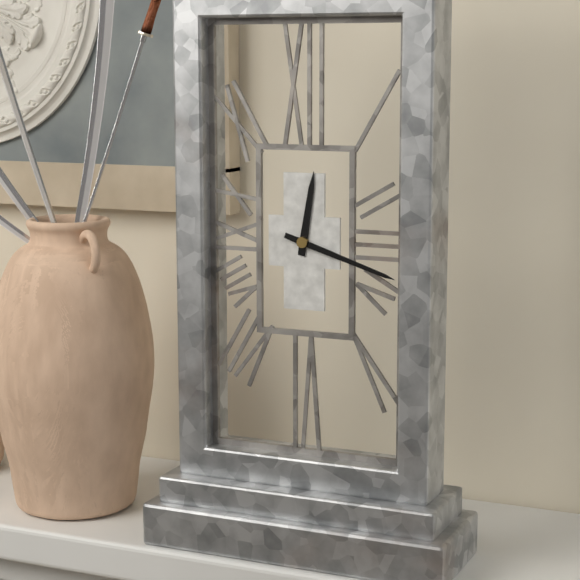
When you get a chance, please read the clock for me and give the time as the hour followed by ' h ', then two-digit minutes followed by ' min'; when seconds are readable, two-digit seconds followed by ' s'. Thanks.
12 h 18 min
